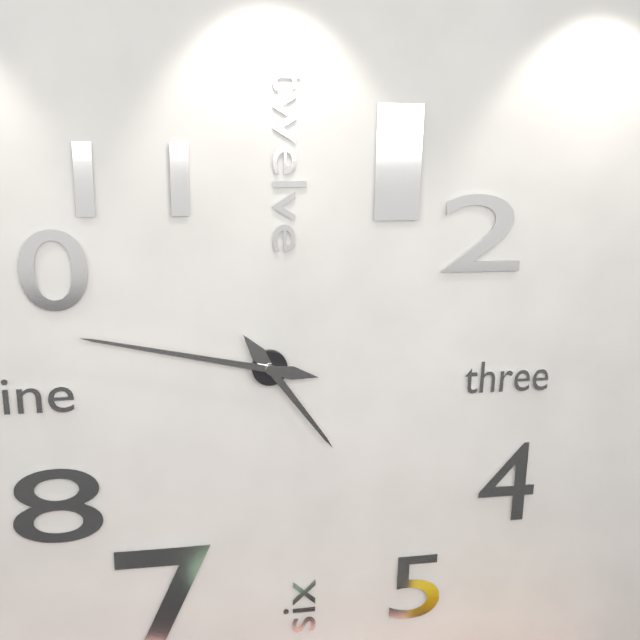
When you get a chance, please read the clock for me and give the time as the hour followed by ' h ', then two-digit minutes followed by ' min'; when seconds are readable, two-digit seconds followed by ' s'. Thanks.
4 h 47 min
